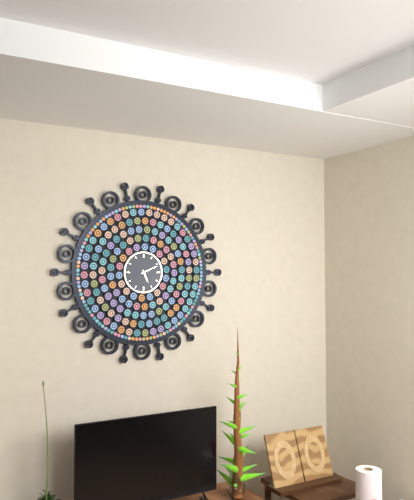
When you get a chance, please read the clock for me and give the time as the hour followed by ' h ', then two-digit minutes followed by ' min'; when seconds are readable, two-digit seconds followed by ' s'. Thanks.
5 h 11 min
